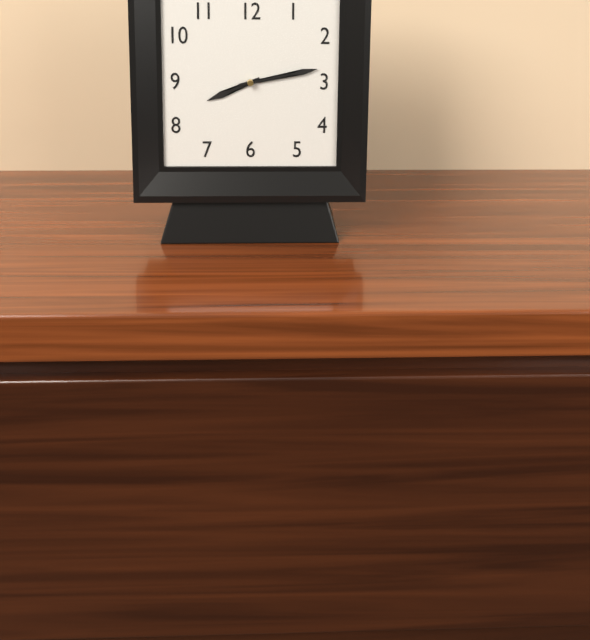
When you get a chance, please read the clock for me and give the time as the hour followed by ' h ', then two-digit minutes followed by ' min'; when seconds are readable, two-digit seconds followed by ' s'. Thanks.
8 h 13 min
